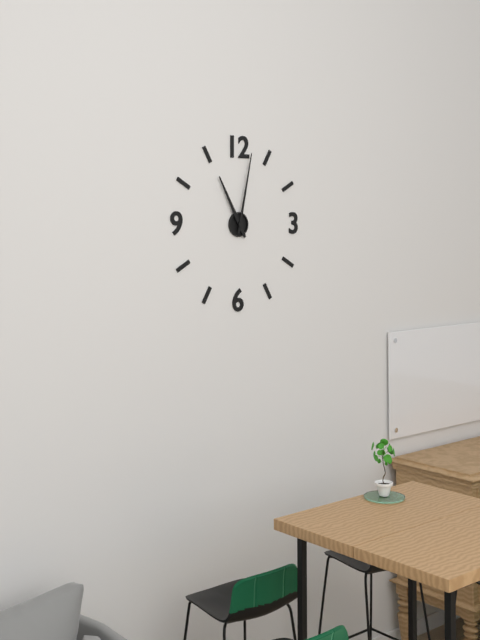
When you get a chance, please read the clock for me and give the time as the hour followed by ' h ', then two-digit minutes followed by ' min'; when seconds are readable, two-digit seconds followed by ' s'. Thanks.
11 h 02 min
